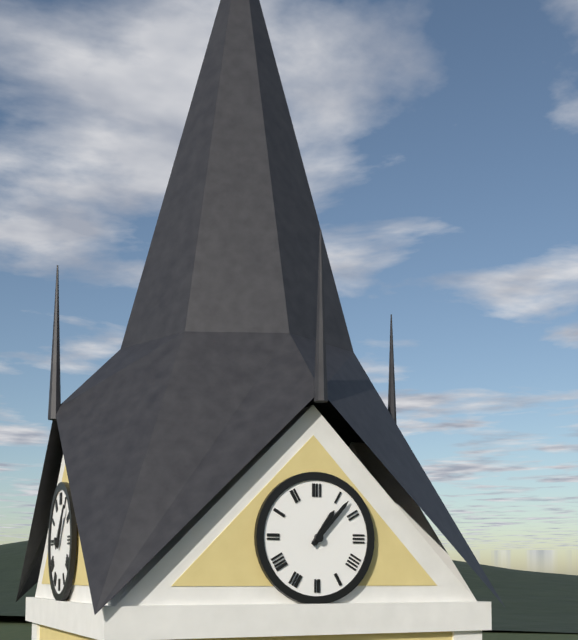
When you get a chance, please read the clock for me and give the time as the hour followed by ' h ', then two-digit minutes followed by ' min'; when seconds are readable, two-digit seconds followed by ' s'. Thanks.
1 h 07 min
